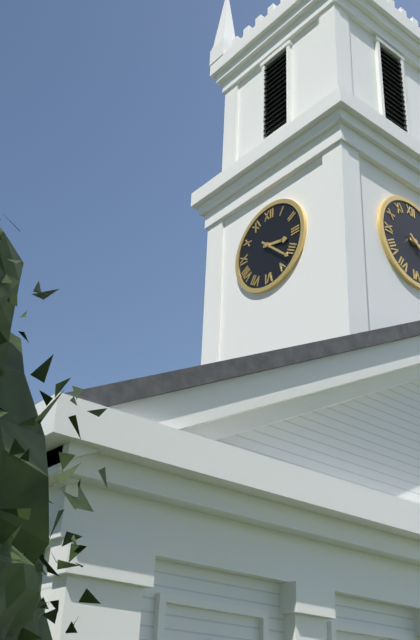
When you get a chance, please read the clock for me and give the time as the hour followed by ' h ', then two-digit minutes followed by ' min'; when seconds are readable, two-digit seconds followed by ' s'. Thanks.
3 h 22 min
